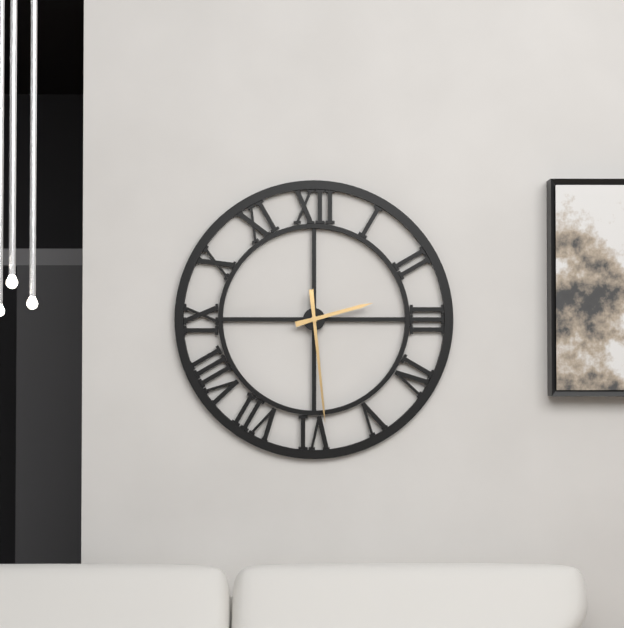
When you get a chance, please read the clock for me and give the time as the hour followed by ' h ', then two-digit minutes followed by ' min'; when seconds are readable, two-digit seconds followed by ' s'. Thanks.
2 h 29 min
